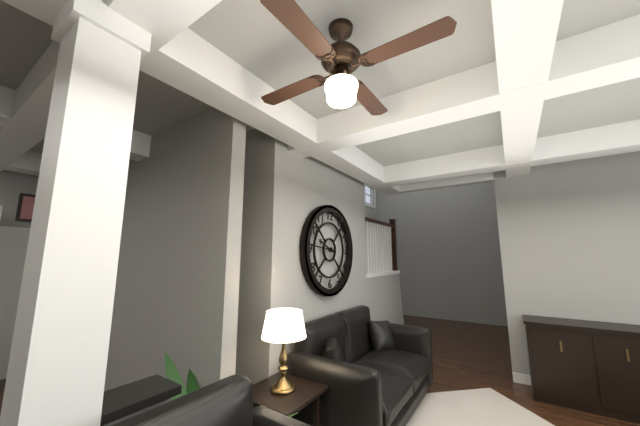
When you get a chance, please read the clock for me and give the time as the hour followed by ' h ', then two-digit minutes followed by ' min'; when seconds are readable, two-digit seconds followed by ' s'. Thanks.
9 h 46 min
